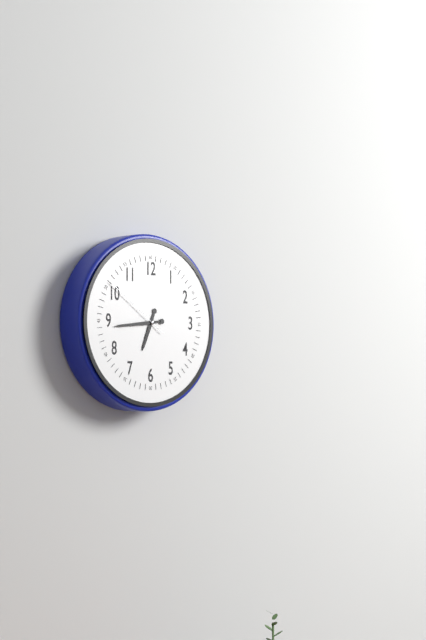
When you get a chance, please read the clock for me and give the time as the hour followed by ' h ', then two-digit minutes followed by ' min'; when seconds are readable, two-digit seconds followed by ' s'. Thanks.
6 h 44 min 51 s
